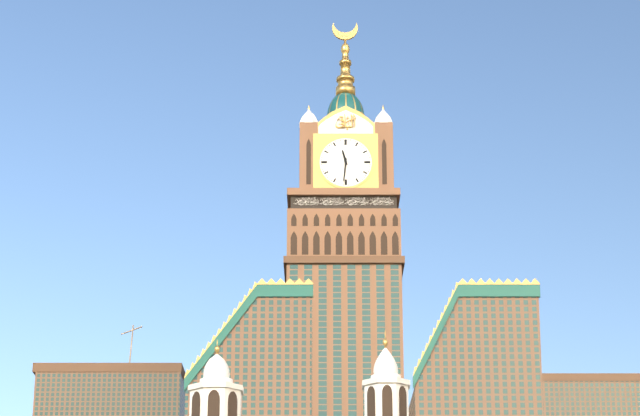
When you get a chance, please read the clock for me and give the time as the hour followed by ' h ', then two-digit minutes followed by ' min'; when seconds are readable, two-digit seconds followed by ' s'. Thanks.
11 h 31 min
